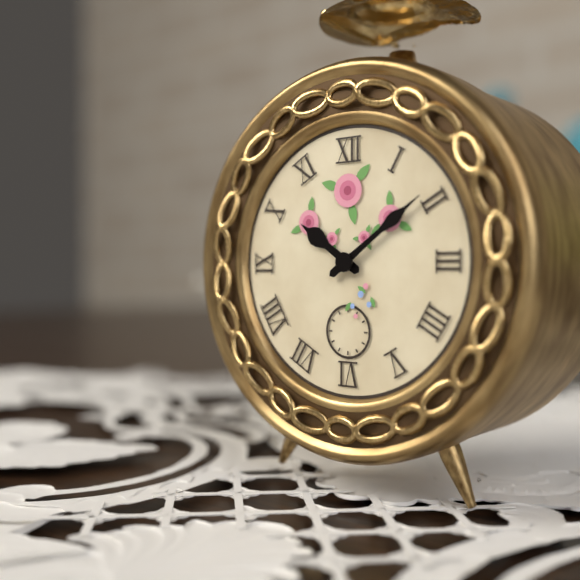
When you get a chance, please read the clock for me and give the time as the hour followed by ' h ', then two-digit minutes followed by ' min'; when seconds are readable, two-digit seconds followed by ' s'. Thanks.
10 h 09 min
